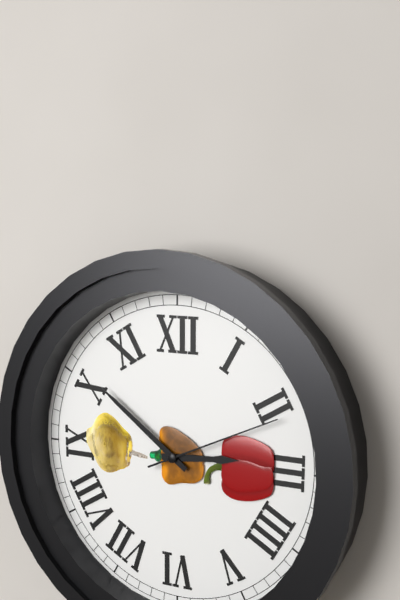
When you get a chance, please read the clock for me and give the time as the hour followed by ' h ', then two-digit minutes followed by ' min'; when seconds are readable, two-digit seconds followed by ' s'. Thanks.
2 h 51 min 11 s
